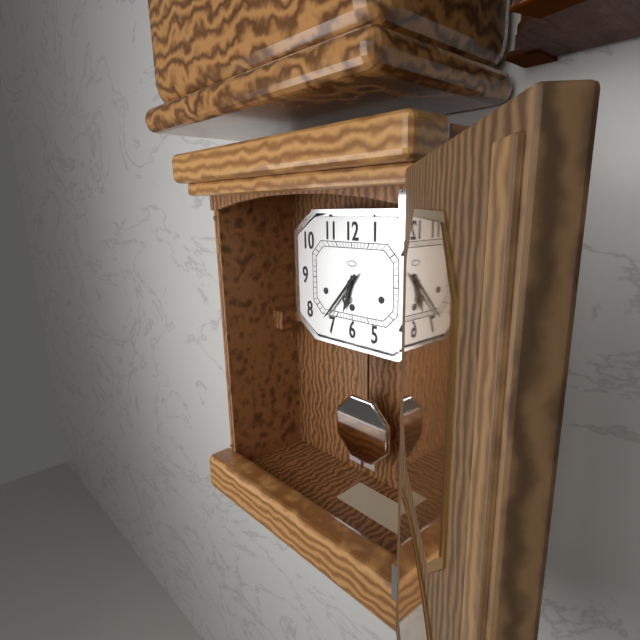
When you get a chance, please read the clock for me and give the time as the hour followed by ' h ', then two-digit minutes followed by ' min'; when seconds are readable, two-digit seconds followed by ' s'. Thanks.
6 h 37 min
